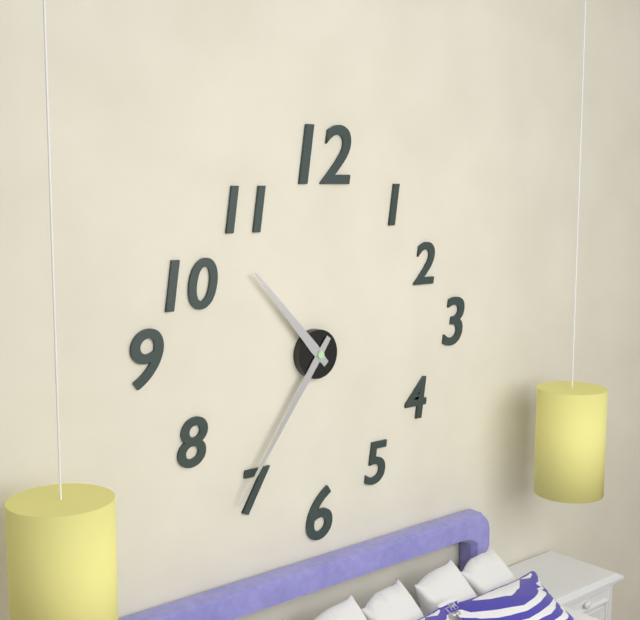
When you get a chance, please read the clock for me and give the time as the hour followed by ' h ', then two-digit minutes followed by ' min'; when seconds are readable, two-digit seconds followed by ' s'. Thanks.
10 h 36 min
